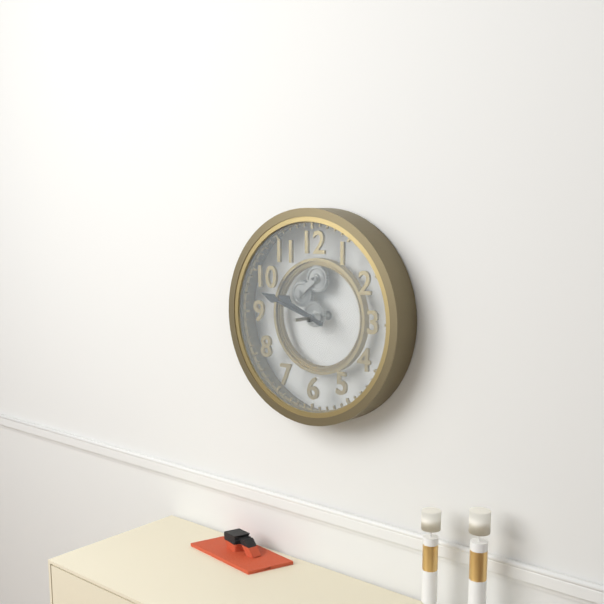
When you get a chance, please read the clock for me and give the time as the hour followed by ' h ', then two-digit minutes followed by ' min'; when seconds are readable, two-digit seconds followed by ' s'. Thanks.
9 h 48 min
